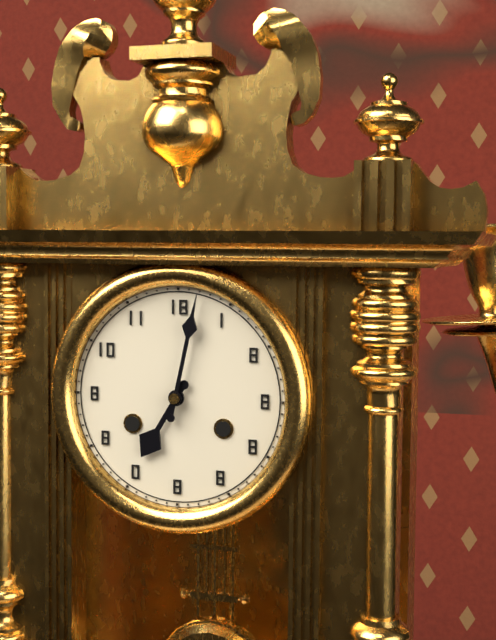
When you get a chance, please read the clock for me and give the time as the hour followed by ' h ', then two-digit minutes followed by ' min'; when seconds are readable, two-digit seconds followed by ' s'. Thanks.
7 h 02 min
